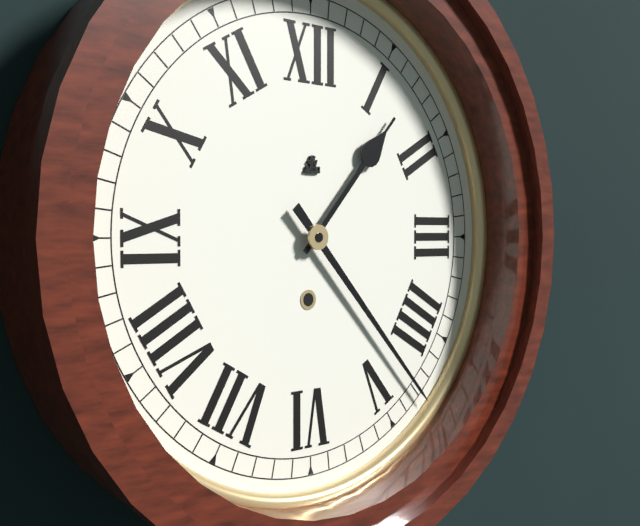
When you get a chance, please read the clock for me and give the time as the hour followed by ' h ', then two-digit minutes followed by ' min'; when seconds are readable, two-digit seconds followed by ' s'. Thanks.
1 h 23 min
